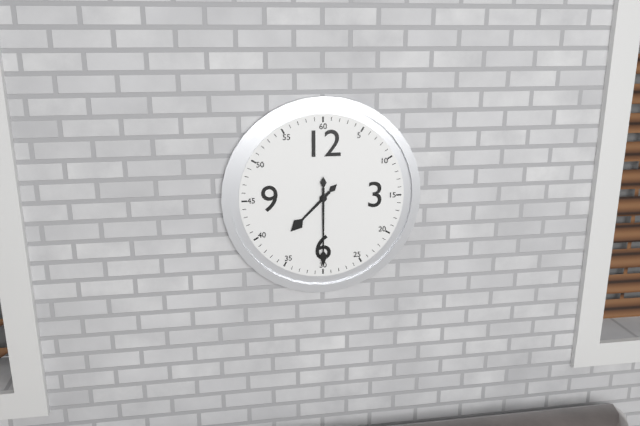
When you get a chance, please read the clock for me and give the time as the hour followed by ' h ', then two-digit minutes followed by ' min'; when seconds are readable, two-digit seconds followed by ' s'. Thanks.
7 h 30 min
